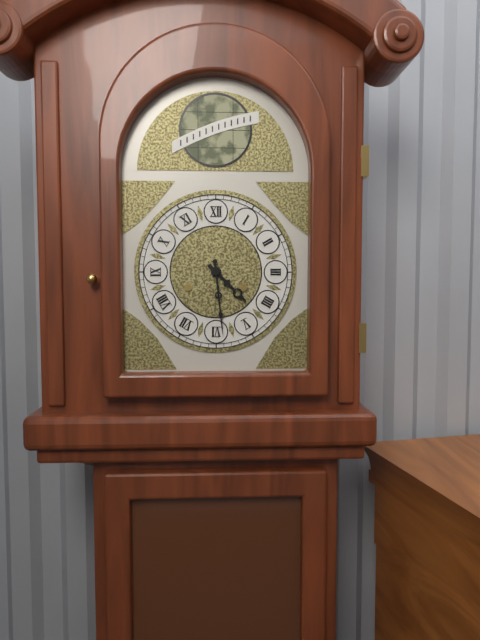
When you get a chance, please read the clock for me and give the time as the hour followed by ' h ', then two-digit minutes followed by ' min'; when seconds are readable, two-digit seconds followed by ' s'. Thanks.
4 h 29 min
